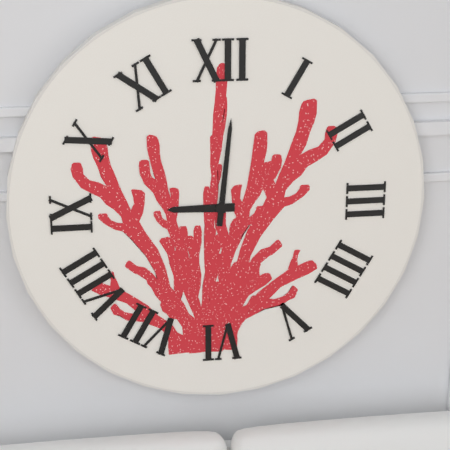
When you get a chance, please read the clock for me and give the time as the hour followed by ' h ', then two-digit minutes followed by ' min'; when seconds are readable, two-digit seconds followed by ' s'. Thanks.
9 h 01 min
